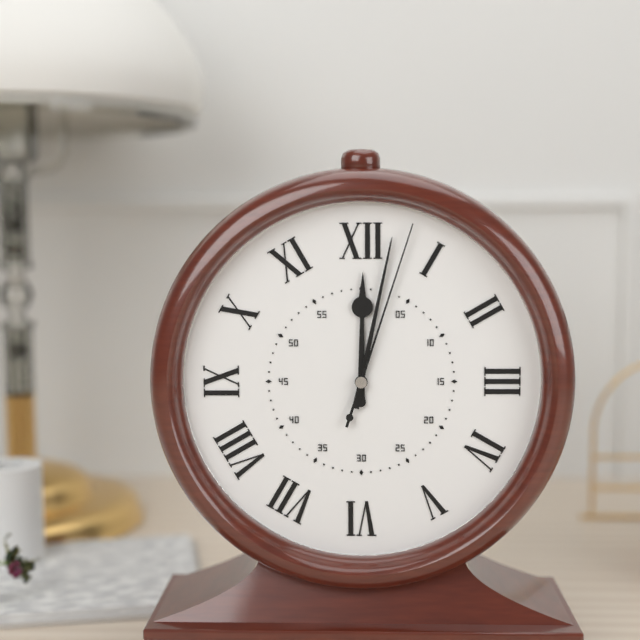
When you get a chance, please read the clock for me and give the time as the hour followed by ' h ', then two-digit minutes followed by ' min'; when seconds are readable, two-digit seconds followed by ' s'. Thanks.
12 h 02 min 03 s
